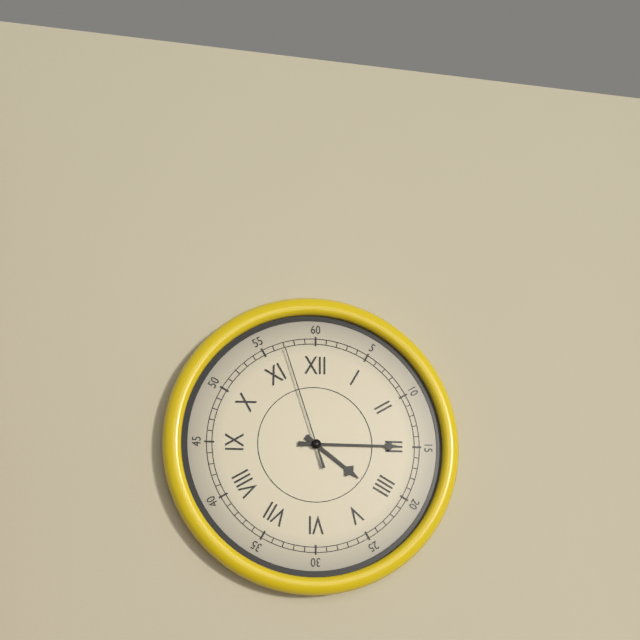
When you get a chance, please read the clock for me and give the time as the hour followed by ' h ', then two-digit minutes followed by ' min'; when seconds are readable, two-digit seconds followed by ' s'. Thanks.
4 h 15 min 57 s
